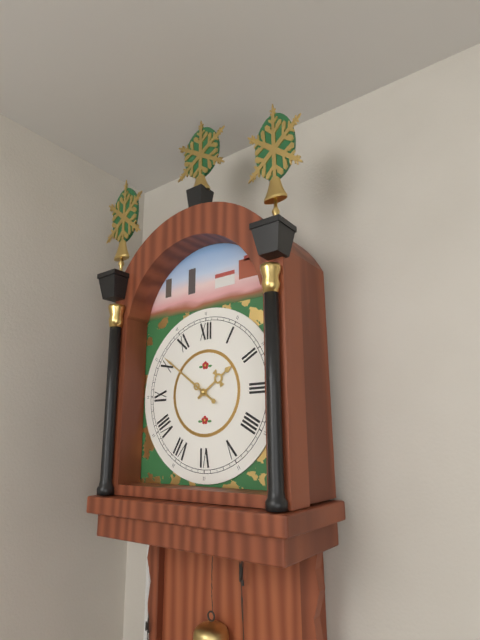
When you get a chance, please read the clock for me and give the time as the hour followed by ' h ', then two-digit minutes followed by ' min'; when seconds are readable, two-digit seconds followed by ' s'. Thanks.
1 h 51 min
